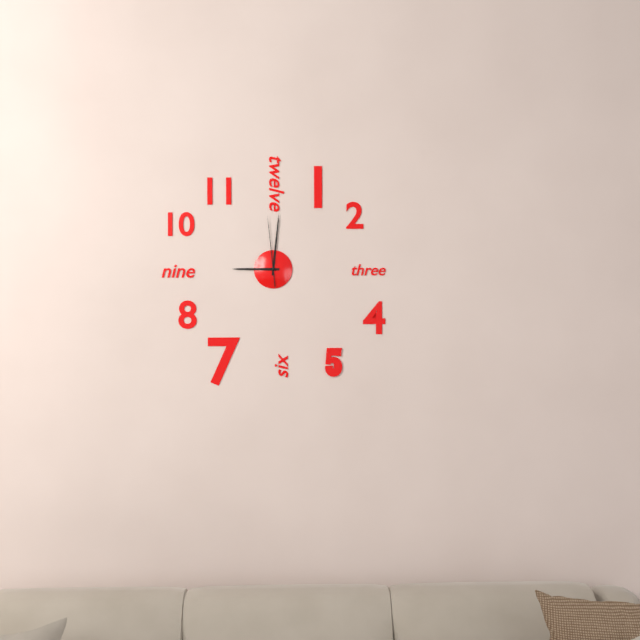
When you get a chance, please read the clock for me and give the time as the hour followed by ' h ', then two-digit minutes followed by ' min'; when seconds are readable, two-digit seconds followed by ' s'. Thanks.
9 h 01 min 59 s
